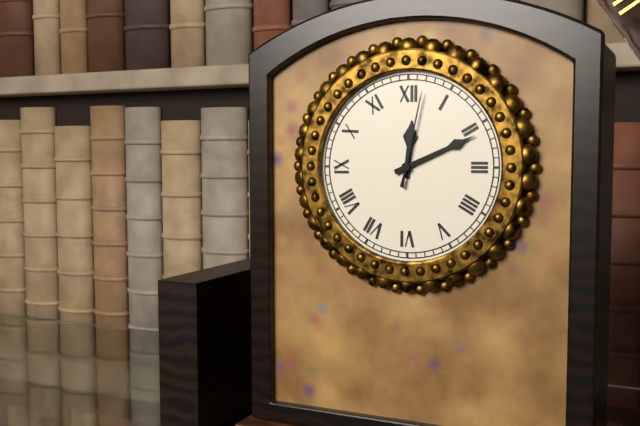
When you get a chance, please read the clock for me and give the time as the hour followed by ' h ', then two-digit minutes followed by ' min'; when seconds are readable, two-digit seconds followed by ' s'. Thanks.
12 h 11 min 02 s
